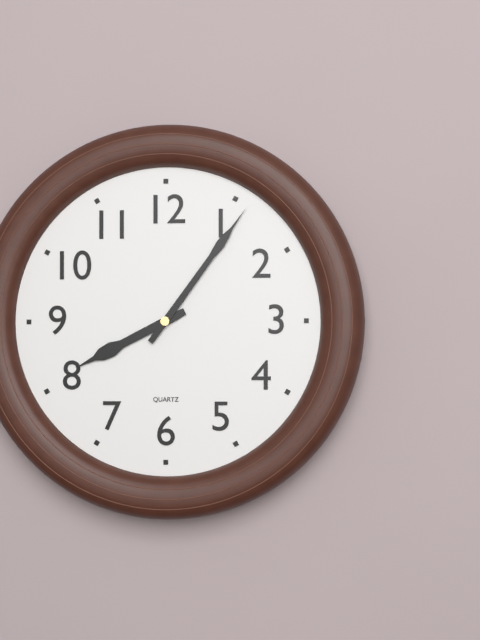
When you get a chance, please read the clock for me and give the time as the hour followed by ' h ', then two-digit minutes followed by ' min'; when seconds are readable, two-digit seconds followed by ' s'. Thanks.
8 h 06 min
